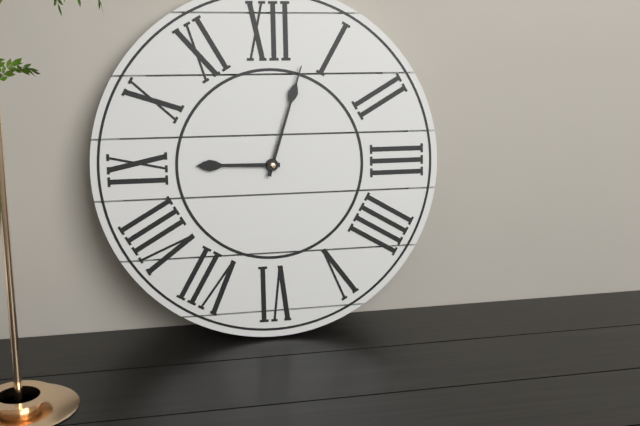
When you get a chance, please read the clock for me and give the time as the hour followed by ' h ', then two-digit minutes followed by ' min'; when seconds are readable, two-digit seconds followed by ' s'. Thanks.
9 h 03 min
